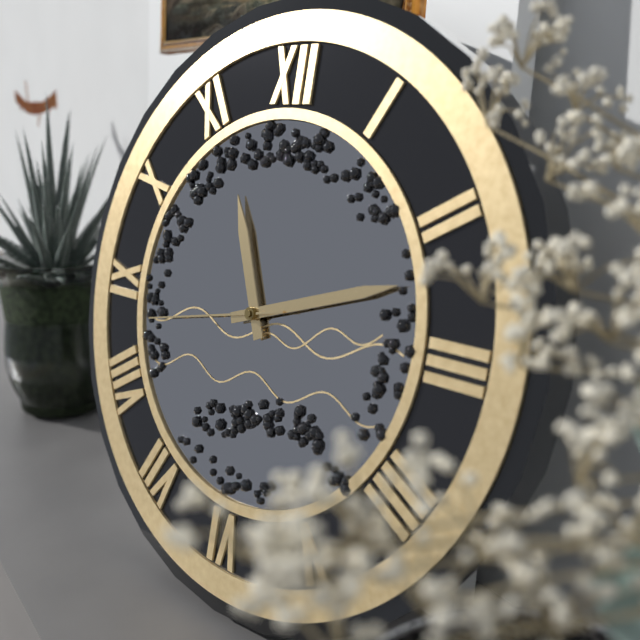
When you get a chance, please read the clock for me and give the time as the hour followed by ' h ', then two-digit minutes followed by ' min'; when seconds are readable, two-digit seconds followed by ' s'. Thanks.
11 h 12 min 43 s
